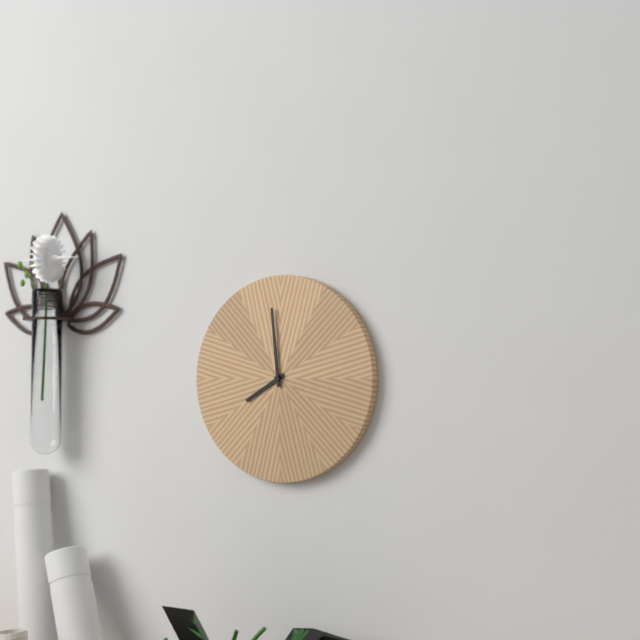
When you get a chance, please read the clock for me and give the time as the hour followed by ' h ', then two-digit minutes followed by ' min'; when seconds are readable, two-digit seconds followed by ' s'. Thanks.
7 h 59 min
